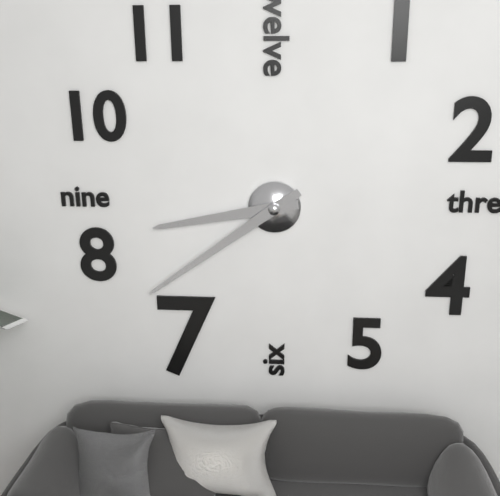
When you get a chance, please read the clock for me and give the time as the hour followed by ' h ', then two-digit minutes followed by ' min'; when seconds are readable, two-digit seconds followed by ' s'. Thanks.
8 h 39 min
